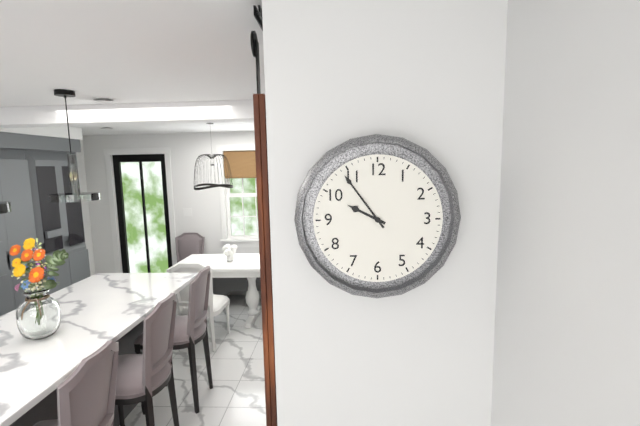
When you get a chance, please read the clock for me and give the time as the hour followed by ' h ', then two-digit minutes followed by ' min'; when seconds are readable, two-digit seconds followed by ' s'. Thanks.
9 h 54 min
